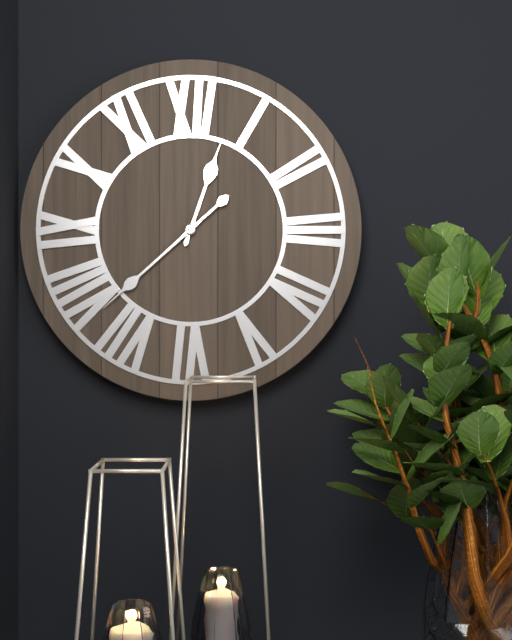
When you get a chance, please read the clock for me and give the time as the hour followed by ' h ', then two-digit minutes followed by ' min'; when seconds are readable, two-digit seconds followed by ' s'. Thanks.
12 h 38 min
